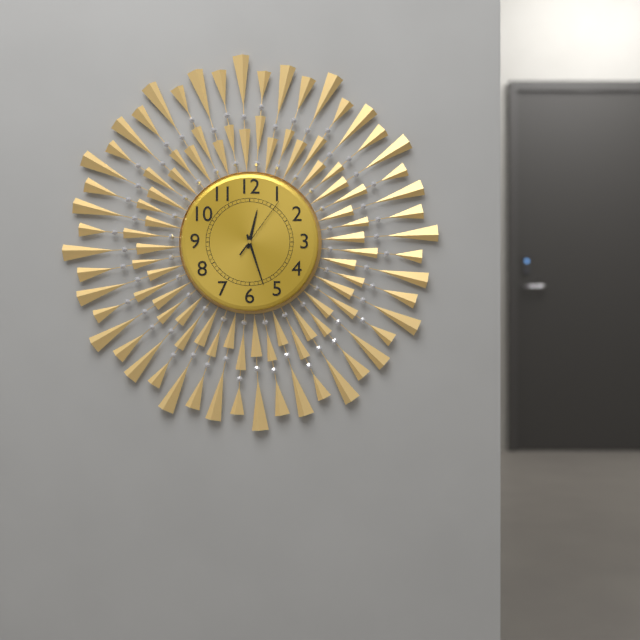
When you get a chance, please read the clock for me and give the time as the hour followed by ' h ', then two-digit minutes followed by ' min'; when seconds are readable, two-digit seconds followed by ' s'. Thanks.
12 h 27 min 06 s
